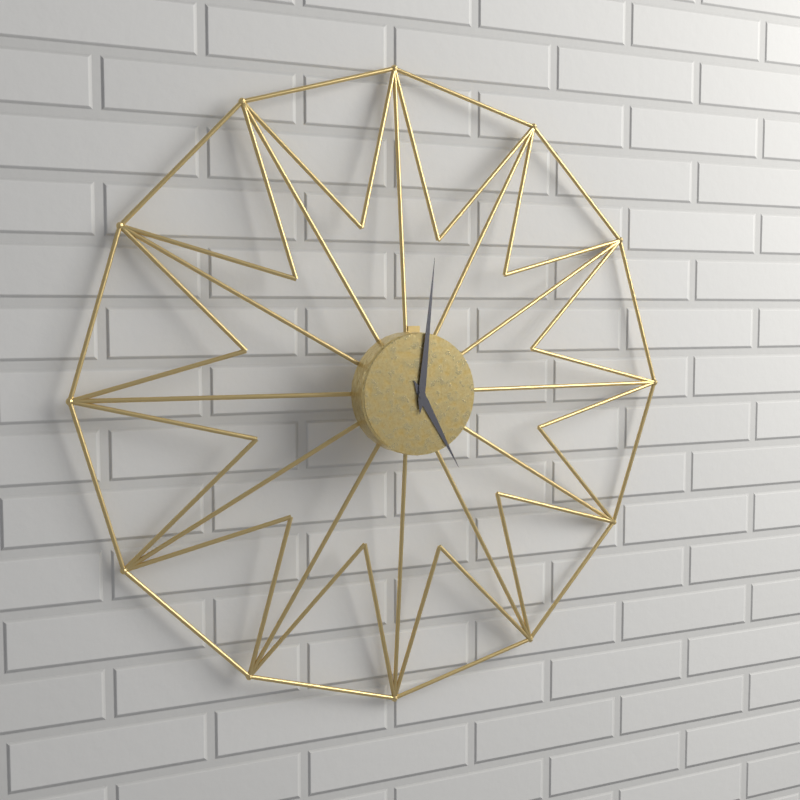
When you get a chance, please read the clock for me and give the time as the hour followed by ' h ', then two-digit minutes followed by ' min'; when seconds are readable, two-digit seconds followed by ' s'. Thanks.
5 h 01 min
